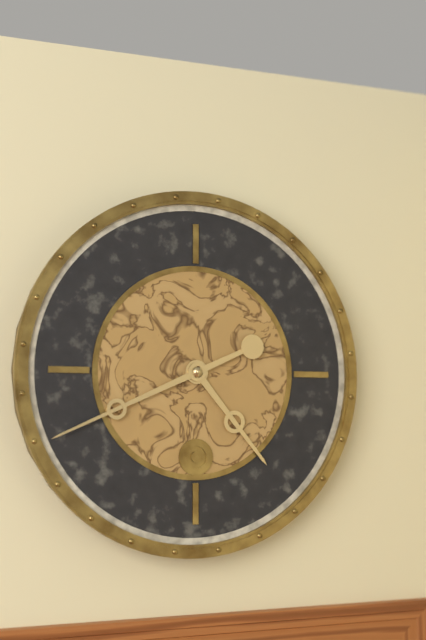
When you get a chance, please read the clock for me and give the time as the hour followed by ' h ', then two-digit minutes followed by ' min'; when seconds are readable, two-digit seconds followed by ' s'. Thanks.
4 h 41 min
